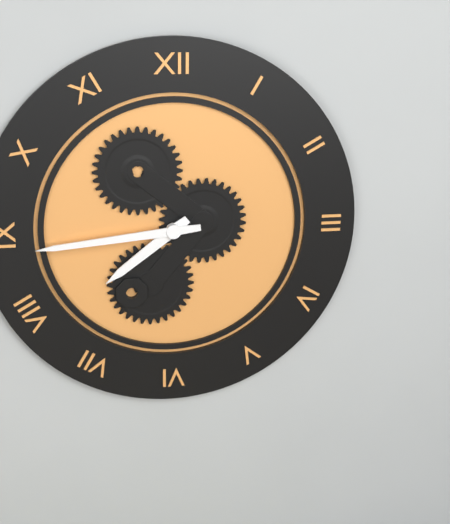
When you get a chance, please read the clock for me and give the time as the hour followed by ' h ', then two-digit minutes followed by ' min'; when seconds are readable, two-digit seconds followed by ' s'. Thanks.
7 h 44 min
